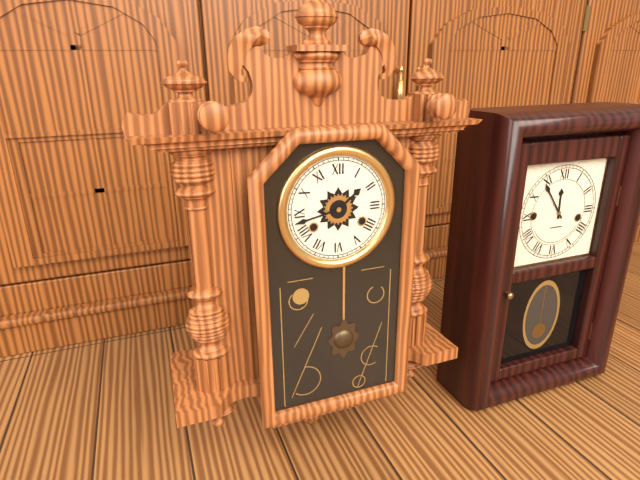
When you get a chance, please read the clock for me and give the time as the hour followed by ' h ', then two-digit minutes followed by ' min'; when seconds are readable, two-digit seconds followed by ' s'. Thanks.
1 h 43 min
